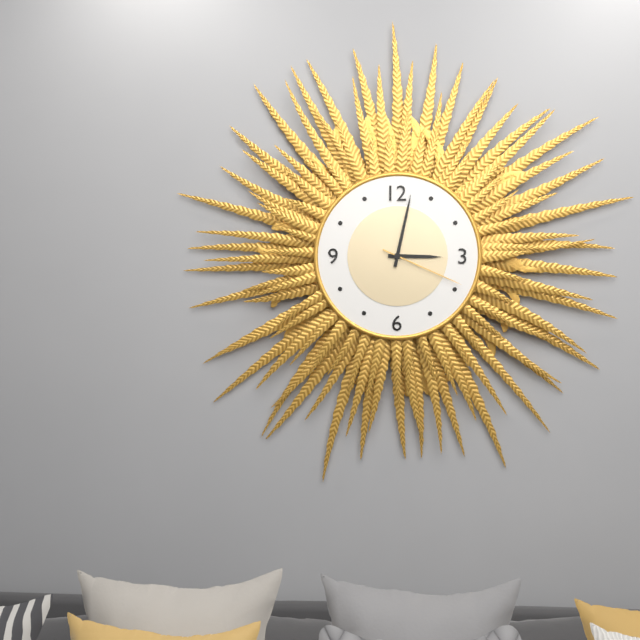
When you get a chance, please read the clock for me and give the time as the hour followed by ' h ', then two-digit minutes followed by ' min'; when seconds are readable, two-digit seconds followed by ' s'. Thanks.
3 h 02 min 19 s
